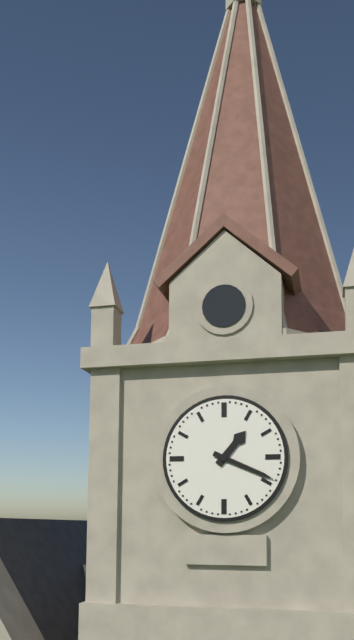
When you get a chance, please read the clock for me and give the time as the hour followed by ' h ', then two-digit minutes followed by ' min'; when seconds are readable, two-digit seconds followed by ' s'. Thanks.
1 h 19 min
